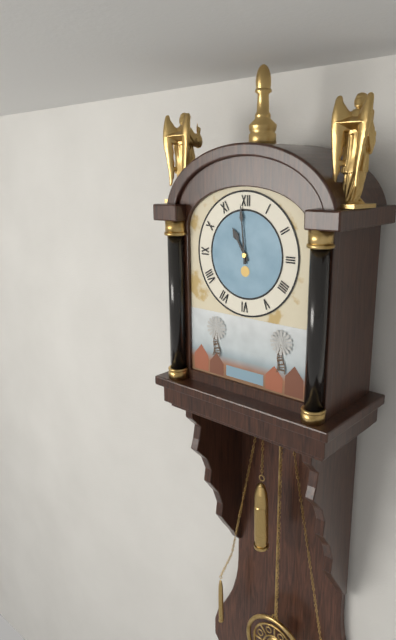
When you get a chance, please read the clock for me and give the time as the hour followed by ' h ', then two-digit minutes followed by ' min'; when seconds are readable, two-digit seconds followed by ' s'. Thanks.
10 h 59 min
